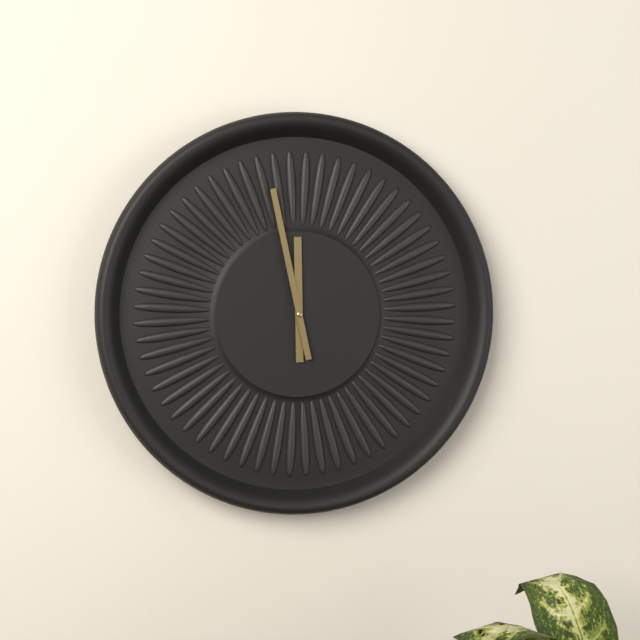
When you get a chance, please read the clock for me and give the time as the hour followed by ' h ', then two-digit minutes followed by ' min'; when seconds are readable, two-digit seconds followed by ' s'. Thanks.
11 h 58 min
